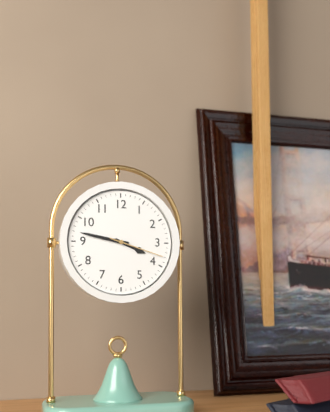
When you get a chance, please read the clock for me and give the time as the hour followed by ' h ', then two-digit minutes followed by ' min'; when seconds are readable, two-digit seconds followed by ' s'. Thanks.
3 h 47 min 18 s
